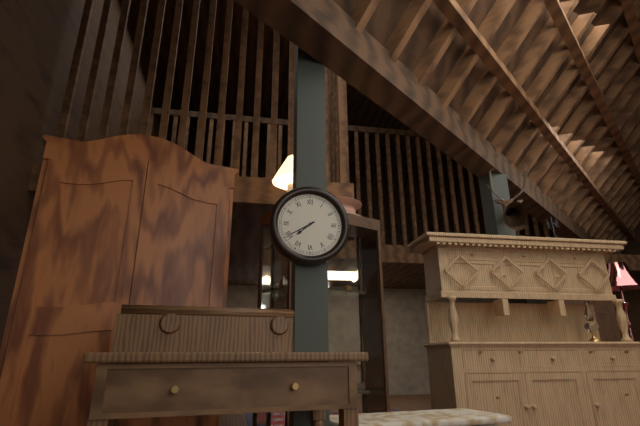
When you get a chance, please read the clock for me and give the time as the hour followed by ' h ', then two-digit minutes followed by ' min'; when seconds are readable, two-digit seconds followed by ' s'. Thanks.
7 h 40 min
